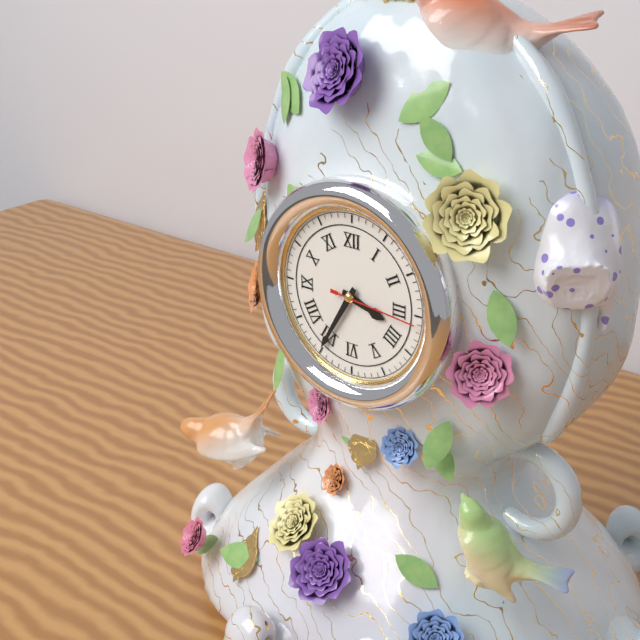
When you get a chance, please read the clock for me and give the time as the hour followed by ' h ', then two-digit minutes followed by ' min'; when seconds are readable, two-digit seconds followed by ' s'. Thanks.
3 h 35 min 16 s
